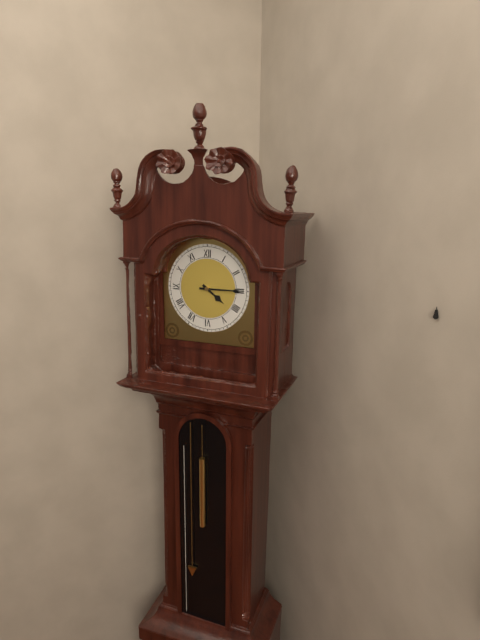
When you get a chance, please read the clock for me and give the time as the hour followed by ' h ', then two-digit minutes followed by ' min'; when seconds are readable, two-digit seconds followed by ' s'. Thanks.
4 h 15 min
